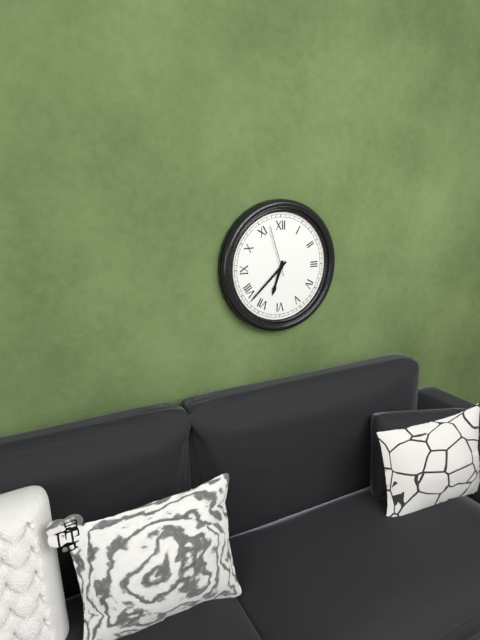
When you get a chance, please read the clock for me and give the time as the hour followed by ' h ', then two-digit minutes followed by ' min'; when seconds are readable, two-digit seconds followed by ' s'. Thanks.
6 h 38 min 57 s
